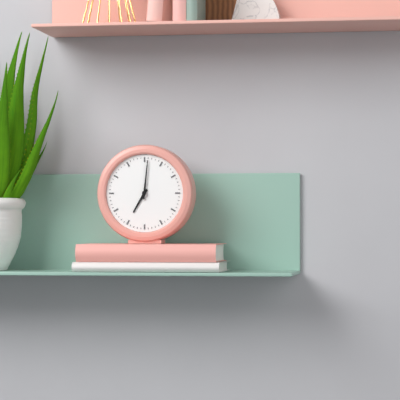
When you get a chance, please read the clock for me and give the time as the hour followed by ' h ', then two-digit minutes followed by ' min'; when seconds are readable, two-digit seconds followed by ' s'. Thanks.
7 h 01 min
